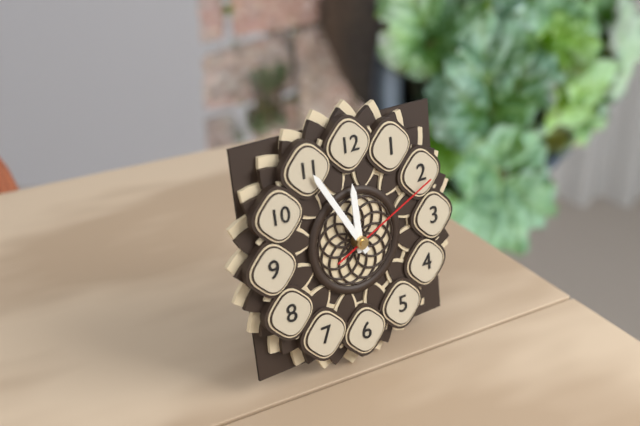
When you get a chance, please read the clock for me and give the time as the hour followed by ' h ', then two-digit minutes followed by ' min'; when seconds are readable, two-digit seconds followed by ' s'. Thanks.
11 h 55 min 11 s
